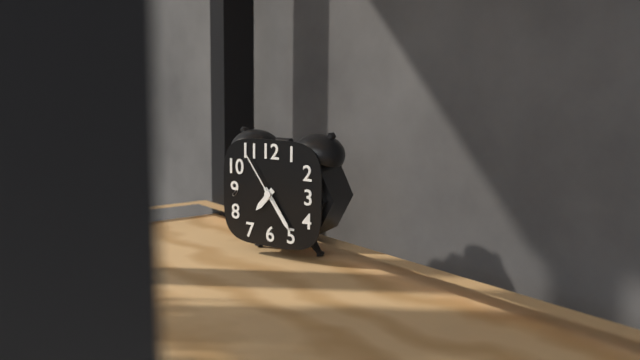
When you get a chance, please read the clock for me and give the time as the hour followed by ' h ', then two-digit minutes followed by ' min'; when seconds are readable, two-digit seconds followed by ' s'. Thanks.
7 h 24 min 54 s
